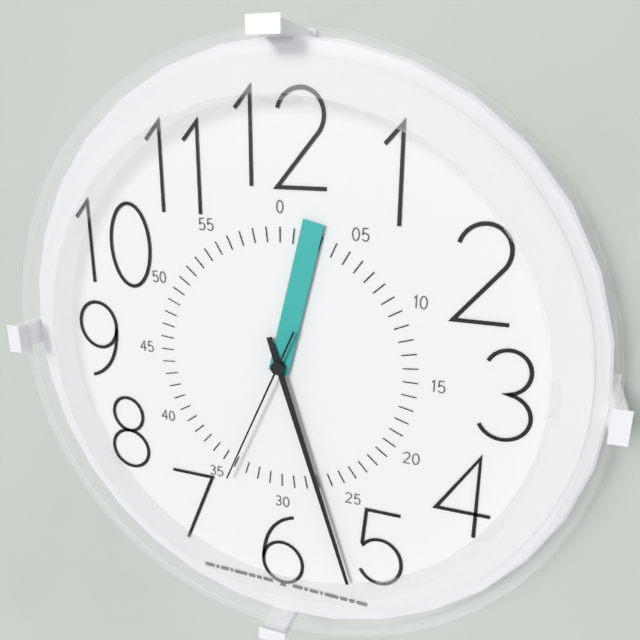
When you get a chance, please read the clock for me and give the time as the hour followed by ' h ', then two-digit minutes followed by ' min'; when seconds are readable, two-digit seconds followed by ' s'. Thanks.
12 h 27 min 34 s
